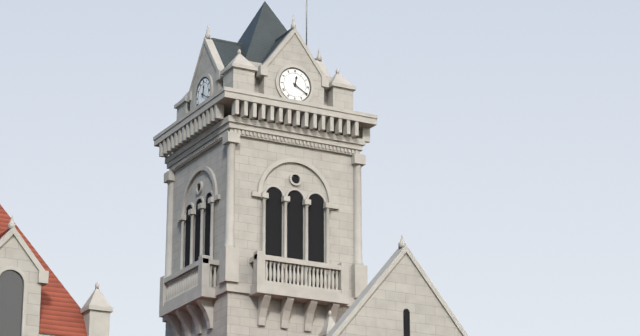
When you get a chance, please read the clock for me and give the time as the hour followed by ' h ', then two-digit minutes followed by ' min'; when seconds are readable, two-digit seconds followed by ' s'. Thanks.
12 h 20 min
